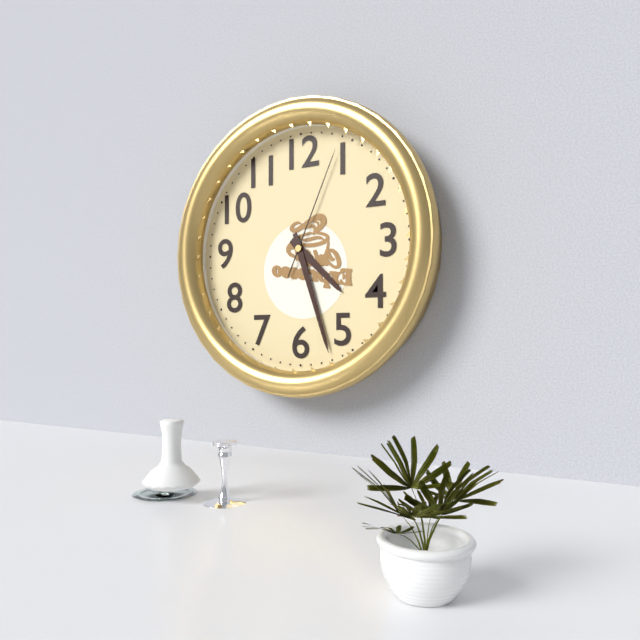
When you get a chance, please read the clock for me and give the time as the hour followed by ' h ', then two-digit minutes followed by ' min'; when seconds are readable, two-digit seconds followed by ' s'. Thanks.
4 h 27 min 04 s
